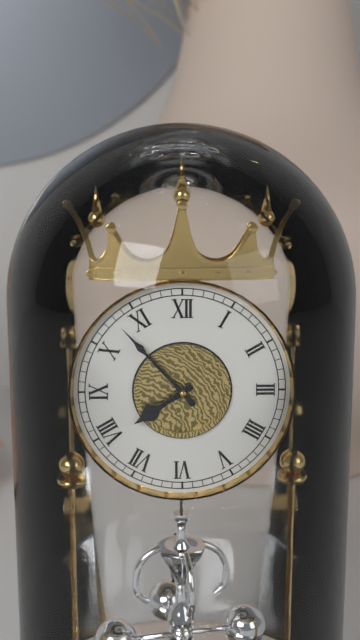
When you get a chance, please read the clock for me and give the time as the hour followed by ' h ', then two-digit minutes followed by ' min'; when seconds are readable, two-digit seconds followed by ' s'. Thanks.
7 h 53 min
